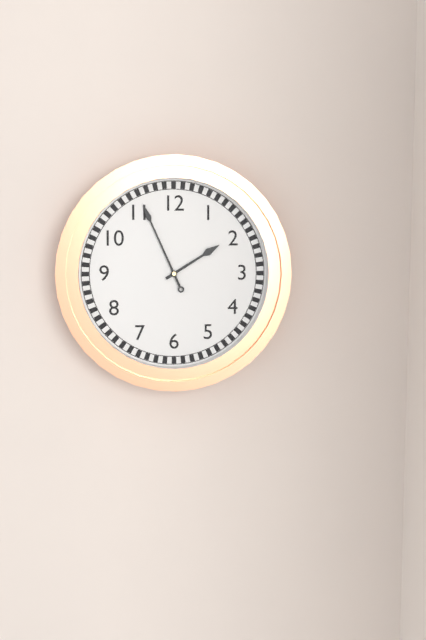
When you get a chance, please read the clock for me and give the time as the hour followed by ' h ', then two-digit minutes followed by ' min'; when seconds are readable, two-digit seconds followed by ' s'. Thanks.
1 h 56 min
